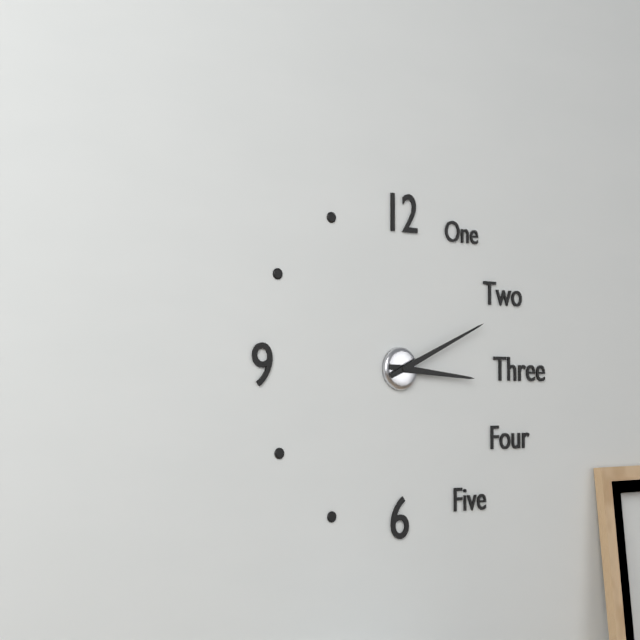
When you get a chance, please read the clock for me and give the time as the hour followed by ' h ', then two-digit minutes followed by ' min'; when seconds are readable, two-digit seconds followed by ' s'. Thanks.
3 h 11 min
